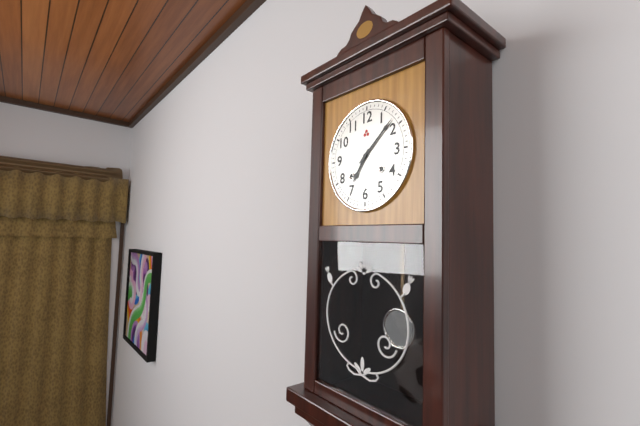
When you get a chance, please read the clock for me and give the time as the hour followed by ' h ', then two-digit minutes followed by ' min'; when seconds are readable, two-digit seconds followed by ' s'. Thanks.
7 h 08 min
